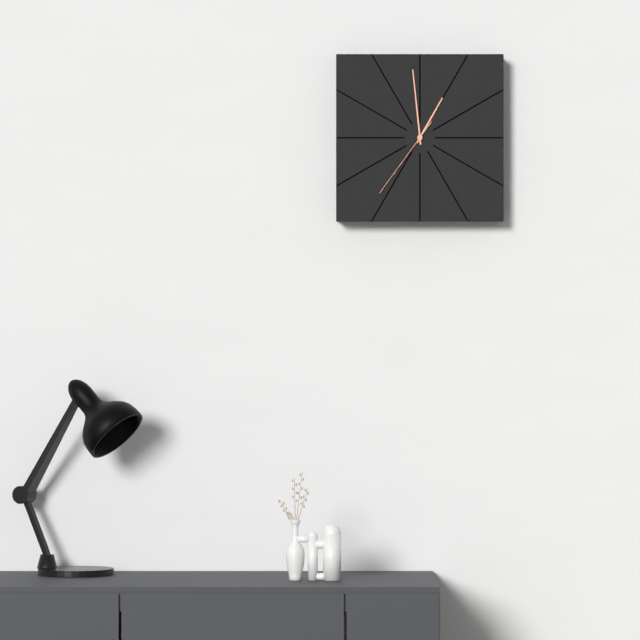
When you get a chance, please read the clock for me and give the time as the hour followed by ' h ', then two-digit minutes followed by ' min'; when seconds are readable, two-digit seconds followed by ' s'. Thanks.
12 h 59 min 36 s
